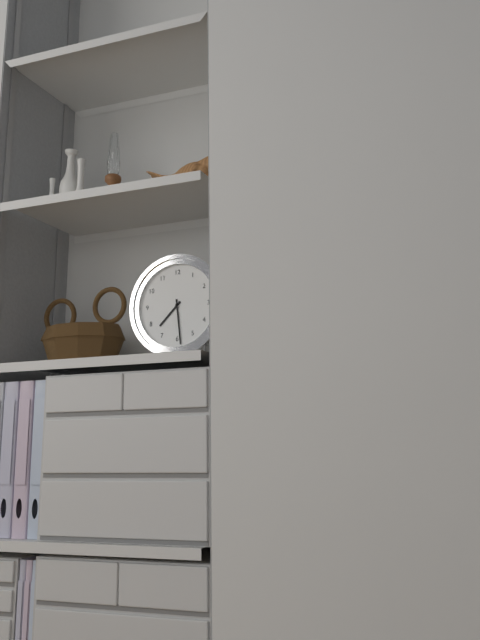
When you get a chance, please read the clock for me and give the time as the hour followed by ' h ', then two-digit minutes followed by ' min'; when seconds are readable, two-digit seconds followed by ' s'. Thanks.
7 h 29 min
